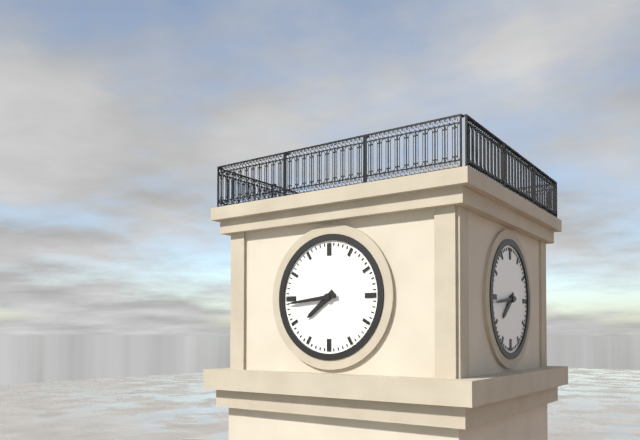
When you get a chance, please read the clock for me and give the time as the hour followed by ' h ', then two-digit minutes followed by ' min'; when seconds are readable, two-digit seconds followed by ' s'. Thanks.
7 h 44 min
